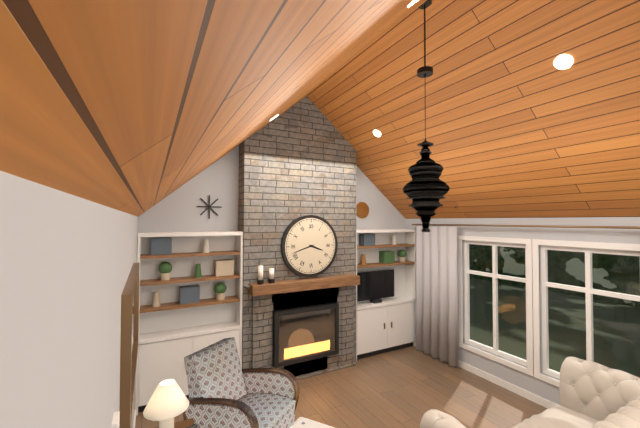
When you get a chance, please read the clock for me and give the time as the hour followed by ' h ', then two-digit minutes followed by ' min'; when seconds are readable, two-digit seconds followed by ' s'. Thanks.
3 h 42 min
